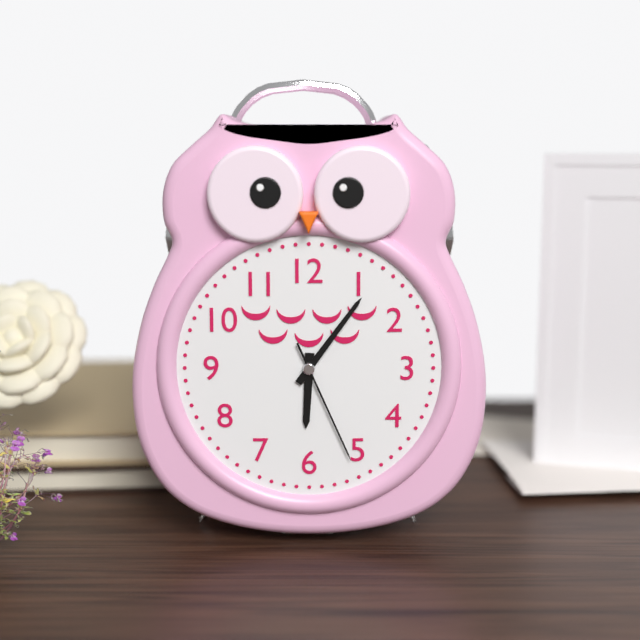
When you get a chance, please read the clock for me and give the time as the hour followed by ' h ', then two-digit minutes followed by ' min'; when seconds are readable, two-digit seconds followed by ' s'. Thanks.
6 h 06 min 26 s
